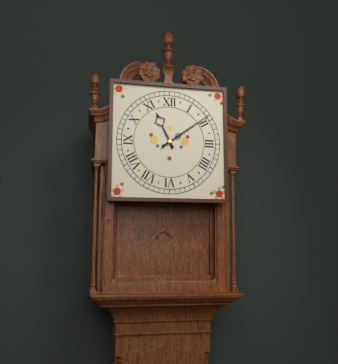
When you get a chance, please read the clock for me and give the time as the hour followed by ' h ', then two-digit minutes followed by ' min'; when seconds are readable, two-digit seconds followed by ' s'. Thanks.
11 h 09 min
